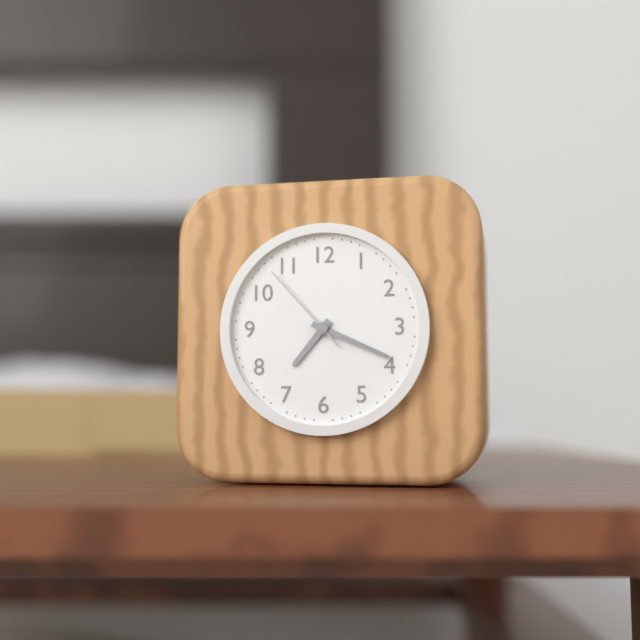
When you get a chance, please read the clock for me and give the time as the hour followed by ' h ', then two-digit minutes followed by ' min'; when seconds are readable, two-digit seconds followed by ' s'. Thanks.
7 h 19 min 53 s
